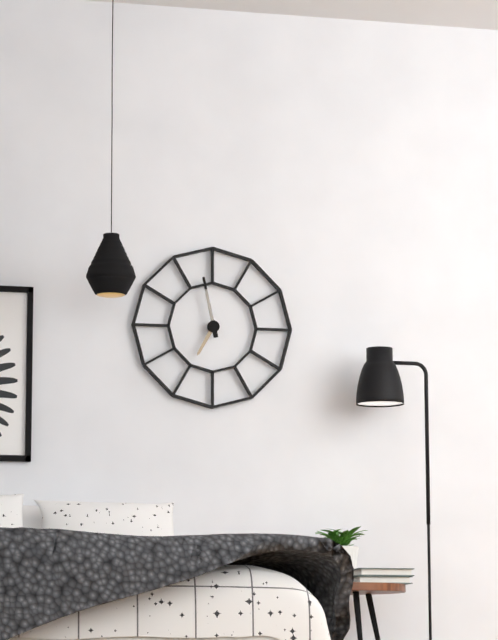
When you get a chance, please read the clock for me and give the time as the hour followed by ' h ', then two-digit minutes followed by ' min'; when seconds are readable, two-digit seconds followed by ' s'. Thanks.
6 h 58 min
